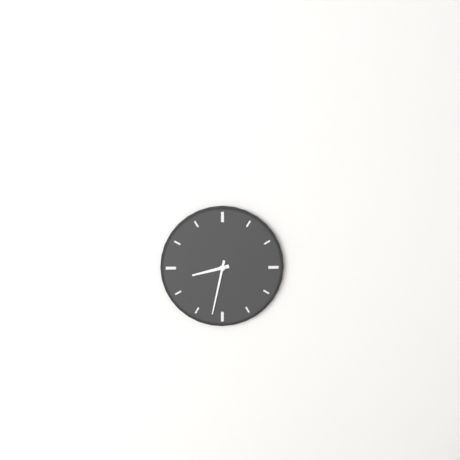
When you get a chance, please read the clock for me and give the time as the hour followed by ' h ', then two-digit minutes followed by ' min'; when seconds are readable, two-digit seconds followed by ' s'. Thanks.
8 h 32 min
